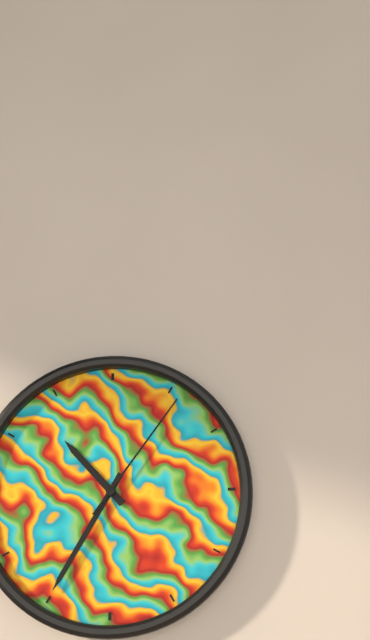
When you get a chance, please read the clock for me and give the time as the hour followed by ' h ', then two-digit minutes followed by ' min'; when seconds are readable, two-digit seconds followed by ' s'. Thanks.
10 h 35 min 06 s
